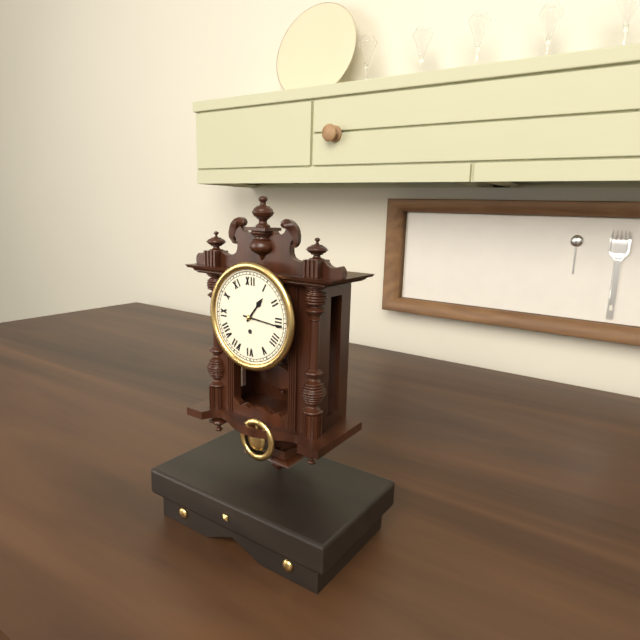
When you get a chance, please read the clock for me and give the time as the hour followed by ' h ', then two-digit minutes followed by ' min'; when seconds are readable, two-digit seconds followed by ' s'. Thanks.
1 h 16 min
